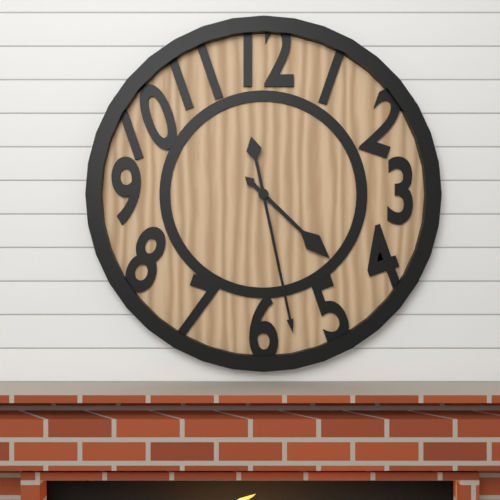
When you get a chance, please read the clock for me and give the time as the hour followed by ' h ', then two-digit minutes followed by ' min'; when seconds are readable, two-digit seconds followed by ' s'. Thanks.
4 h 28 min
